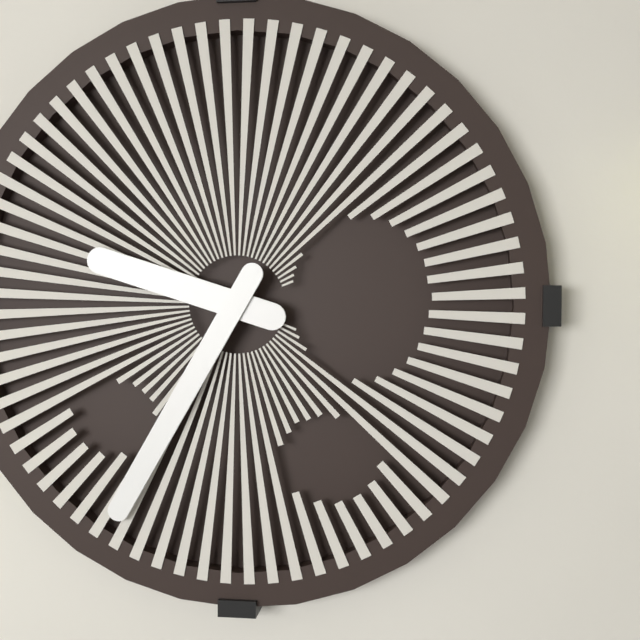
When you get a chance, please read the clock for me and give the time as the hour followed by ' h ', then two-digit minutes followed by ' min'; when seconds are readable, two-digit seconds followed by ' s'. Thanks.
9 h 35 min
